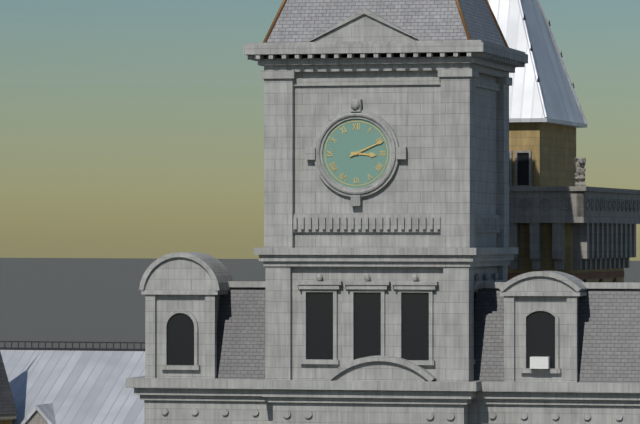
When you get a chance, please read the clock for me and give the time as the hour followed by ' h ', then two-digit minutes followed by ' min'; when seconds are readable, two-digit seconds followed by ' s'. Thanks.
3 h 11 min
